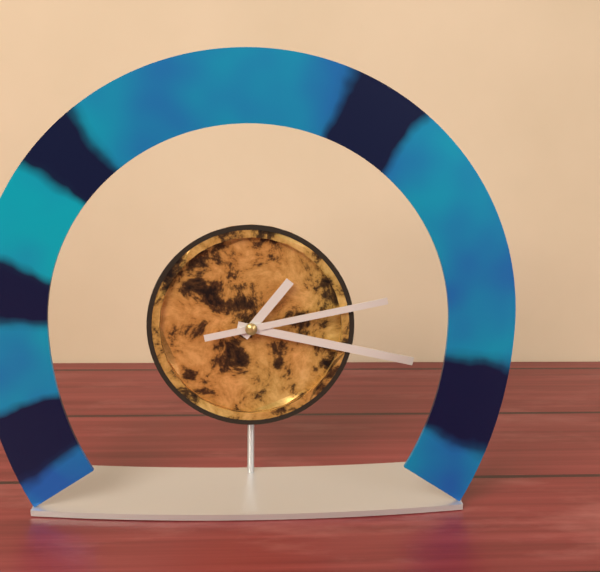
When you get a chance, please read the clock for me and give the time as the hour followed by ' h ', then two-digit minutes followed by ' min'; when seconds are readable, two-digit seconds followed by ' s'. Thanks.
1 h 17 min 13 s
